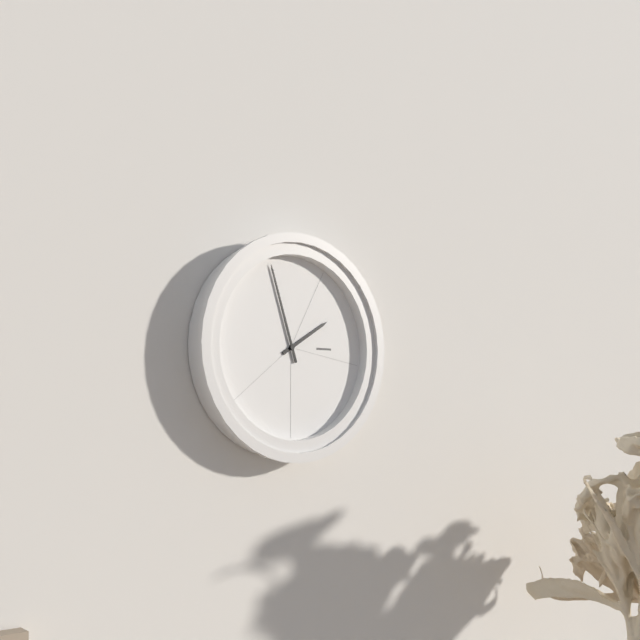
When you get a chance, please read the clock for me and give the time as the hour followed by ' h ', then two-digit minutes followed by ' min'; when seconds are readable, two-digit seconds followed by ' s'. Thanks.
1 h 57 min
